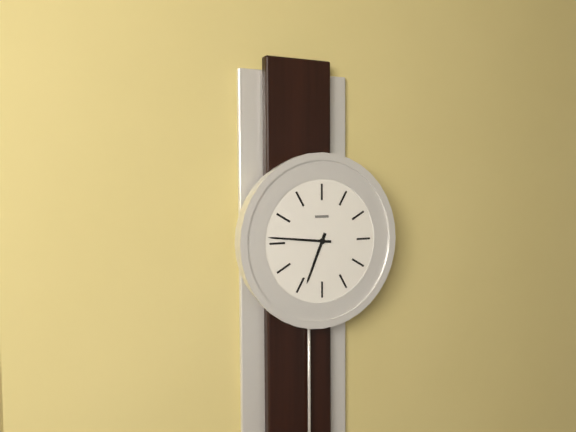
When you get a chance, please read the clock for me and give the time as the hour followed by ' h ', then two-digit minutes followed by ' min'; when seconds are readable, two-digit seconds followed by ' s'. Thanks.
6 h 46 min
